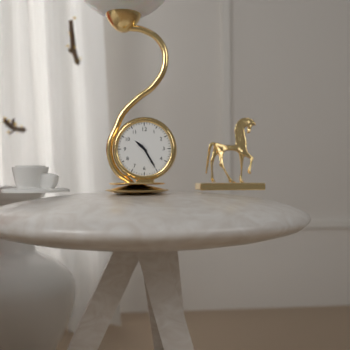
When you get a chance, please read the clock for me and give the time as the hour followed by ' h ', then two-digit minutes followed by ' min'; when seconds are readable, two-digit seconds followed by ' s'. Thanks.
10 h 25 min
